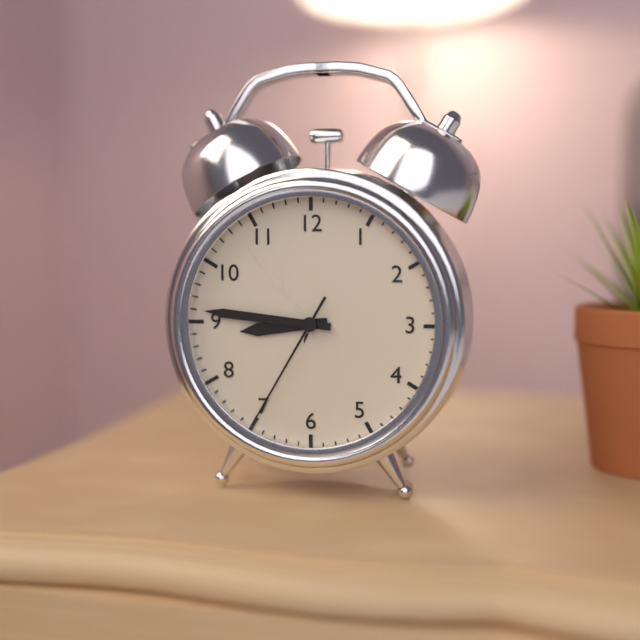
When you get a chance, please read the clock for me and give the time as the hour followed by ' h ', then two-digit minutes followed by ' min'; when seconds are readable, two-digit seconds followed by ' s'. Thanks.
8 h 46 min 35 s
